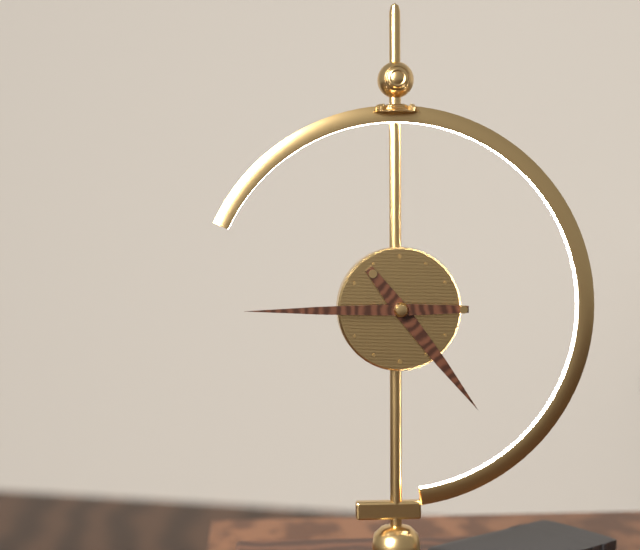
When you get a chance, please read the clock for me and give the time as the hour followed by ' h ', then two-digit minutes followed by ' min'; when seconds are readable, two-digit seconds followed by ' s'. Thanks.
4 h 45 min
